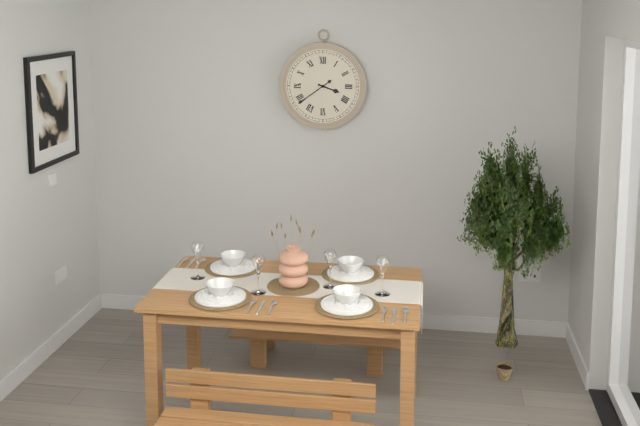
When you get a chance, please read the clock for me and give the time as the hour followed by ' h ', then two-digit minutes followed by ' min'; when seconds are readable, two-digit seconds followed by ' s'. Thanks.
3 h 39 min
